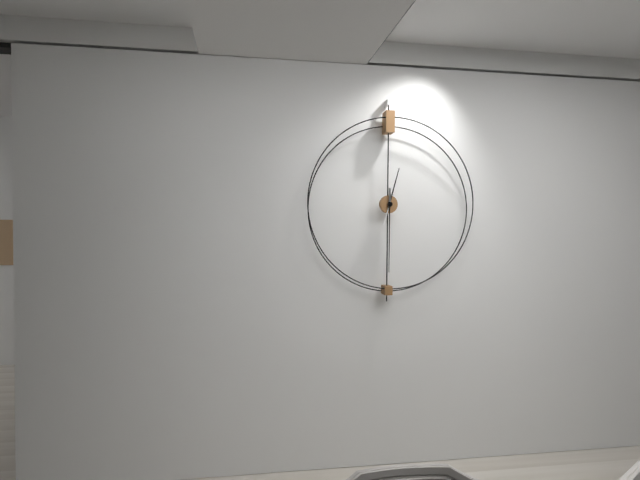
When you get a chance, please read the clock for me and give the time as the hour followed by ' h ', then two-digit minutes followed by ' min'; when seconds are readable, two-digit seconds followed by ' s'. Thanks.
12 h 30 min
